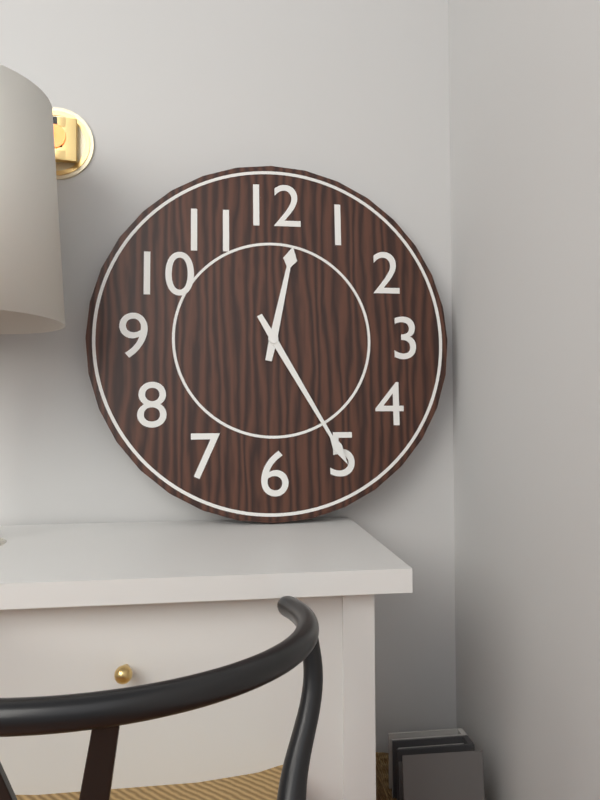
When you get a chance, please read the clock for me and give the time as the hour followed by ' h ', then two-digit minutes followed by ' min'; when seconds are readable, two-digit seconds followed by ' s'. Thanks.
12 h 25 min
